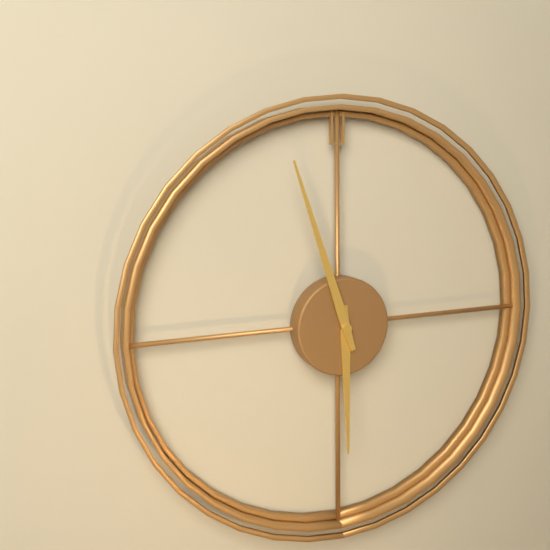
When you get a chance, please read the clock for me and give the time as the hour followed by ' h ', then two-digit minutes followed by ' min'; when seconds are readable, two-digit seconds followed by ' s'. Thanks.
5 h 57 min
